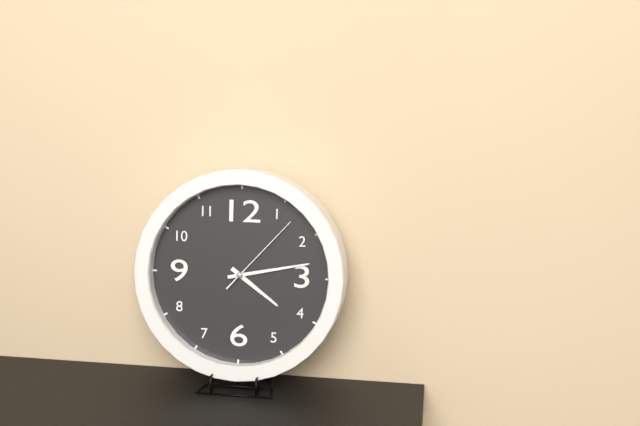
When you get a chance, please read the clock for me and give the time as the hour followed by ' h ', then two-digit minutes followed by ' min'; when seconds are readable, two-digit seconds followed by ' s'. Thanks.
4 h 13 min 07 s
